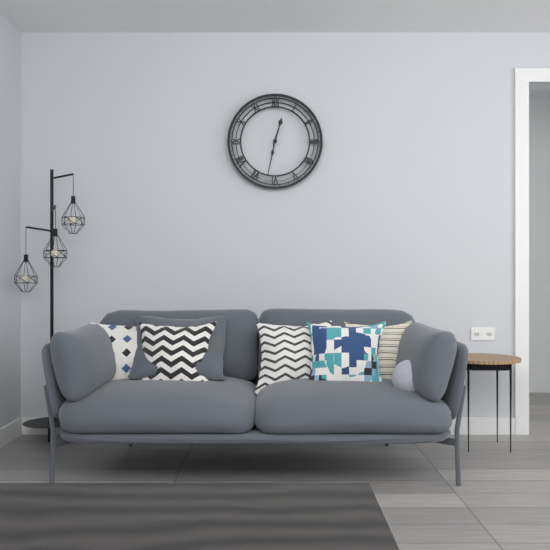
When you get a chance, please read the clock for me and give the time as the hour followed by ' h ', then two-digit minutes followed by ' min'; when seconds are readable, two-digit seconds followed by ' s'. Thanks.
12 h 32 min
